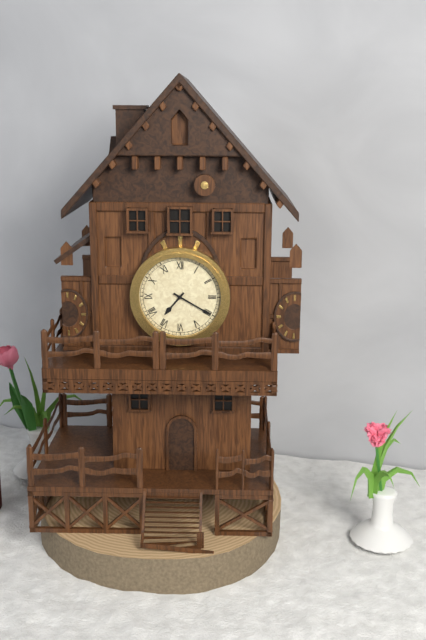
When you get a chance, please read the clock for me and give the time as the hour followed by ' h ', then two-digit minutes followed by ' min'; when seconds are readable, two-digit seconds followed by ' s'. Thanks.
7 h 20 min
